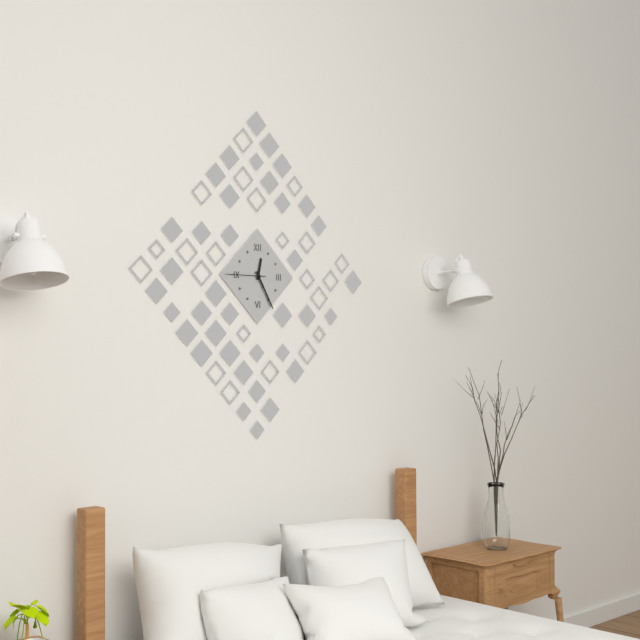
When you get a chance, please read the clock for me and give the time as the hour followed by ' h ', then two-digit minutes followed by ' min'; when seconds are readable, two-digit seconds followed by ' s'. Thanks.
12 h 25 min
